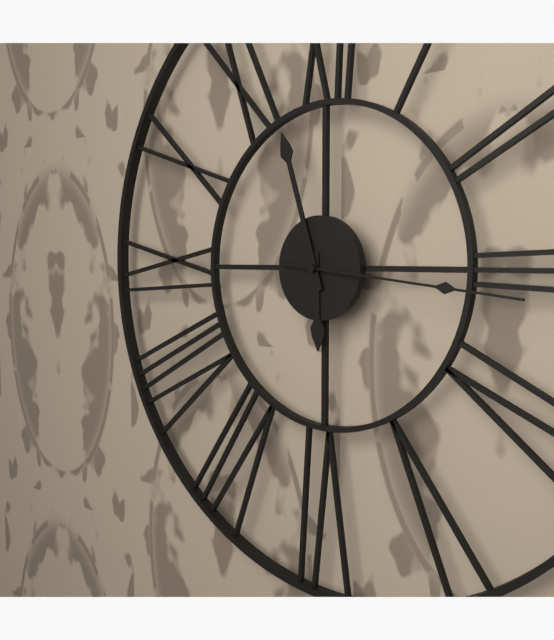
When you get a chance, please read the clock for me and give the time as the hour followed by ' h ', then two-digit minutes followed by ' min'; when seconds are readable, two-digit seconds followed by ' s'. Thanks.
5 h 57 min 16 s
